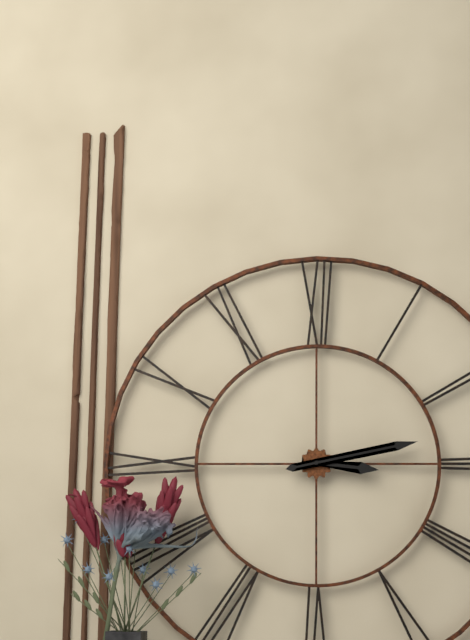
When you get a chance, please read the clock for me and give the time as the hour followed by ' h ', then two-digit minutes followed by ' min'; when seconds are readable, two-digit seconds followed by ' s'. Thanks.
3 h 13 min
